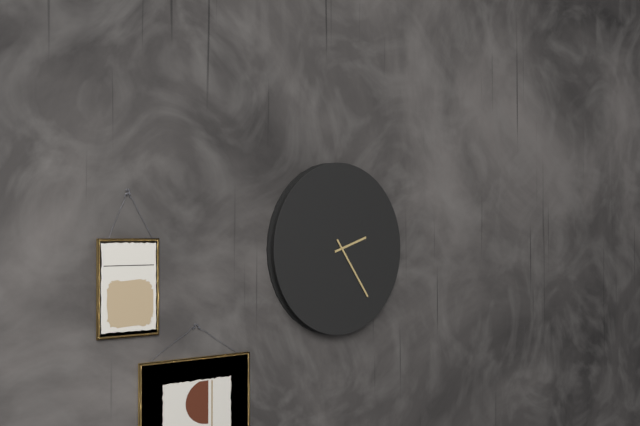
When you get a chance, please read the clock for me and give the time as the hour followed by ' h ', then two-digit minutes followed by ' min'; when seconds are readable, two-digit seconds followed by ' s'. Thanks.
2 h 24 min
